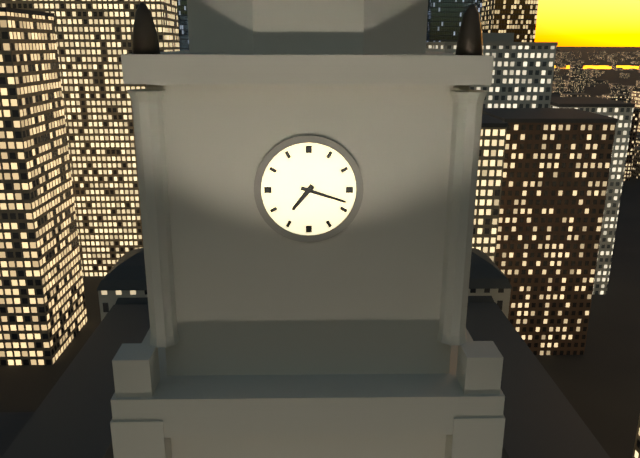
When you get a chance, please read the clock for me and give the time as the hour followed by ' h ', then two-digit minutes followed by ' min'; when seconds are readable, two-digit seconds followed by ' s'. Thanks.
7 h 18 min
